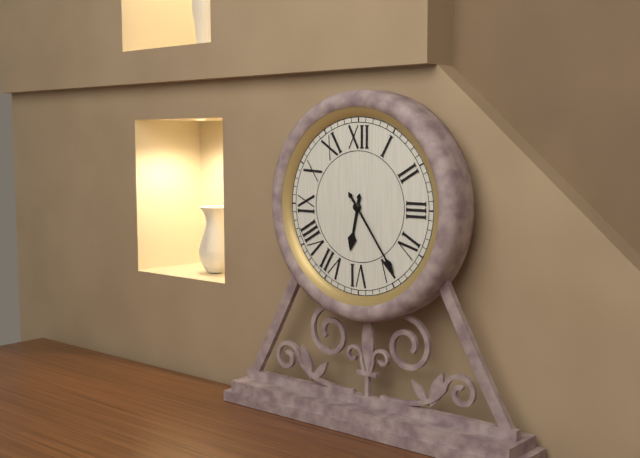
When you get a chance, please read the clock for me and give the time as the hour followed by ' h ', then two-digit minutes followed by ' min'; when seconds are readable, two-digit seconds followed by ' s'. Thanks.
6 h 24 min
